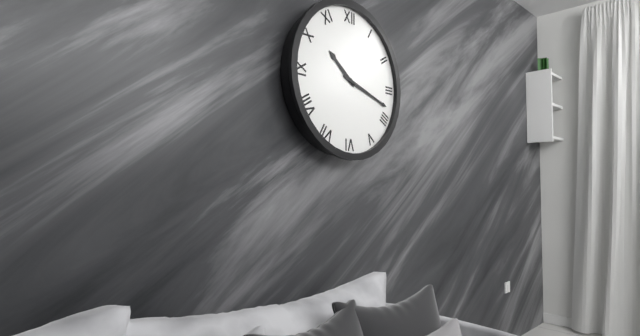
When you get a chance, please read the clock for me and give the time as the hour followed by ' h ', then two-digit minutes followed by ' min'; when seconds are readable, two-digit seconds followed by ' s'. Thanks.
10 h 18 min
